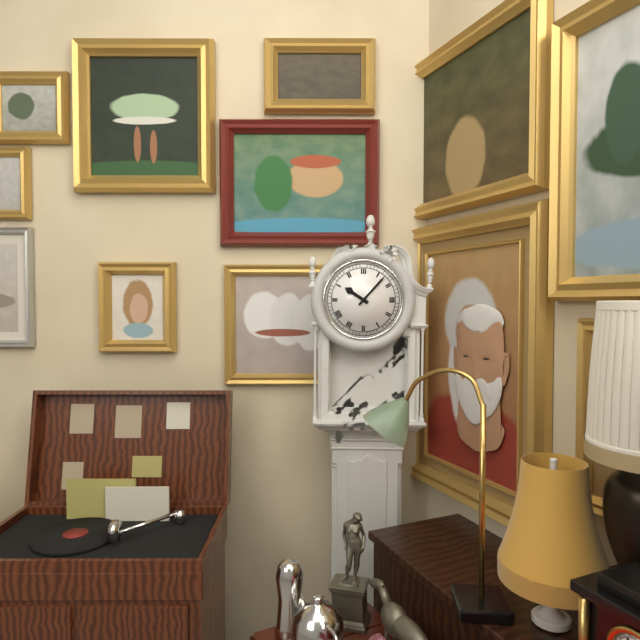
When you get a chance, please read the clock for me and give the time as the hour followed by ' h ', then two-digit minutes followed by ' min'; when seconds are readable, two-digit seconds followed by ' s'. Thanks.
10 h 07 min
